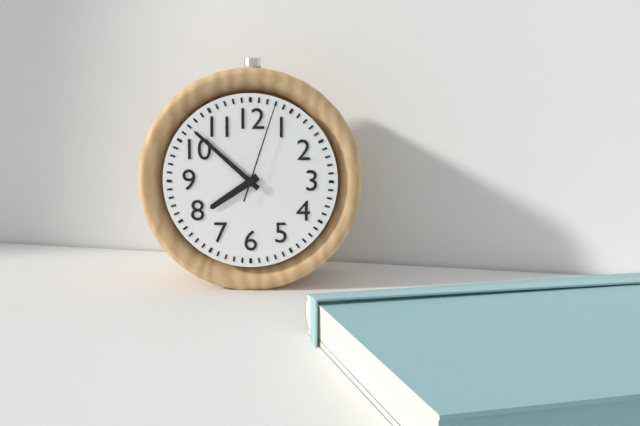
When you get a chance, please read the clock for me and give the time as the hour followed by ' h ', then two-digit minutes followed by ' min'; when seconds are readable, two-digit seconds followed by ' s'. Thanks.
7 h 52 min 03 s
